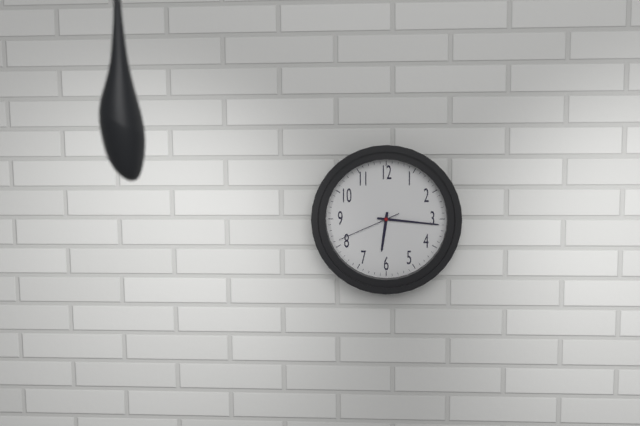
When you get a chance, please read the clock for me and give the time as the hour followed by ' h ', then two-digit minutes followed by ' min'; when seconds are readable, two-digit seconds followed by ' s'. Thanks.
6 h 16 min 41 s
